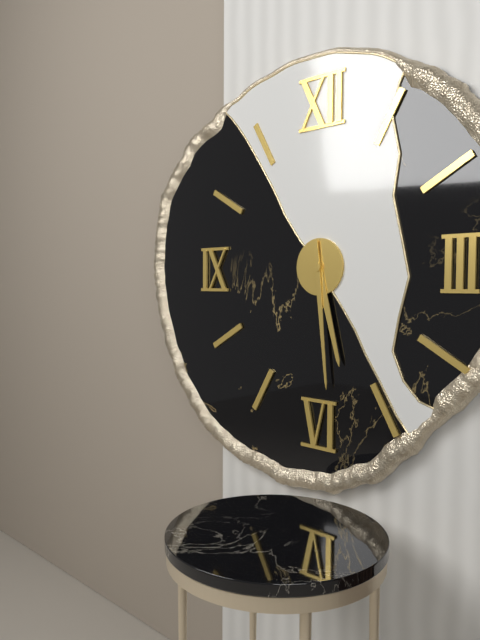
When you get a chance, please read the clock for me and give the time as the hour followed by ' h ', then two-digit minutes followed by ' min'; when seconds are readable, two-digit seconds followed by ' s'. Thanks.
5 h 29 min
